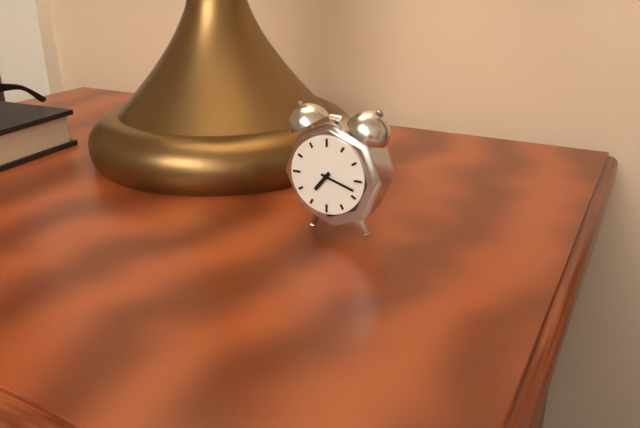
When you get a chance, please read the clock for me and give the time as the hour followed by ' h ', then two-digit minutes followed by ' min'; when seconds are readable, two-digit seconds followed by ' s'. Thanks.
7 h 18 min
